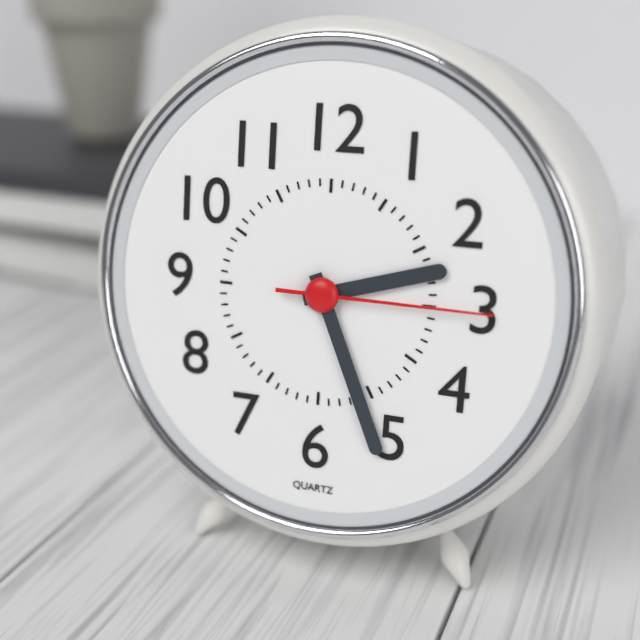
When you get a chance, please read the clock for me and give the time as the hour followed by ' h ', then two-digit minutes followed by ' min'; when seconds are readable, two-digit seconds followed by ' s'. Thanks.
2 h 26 min 15 s
